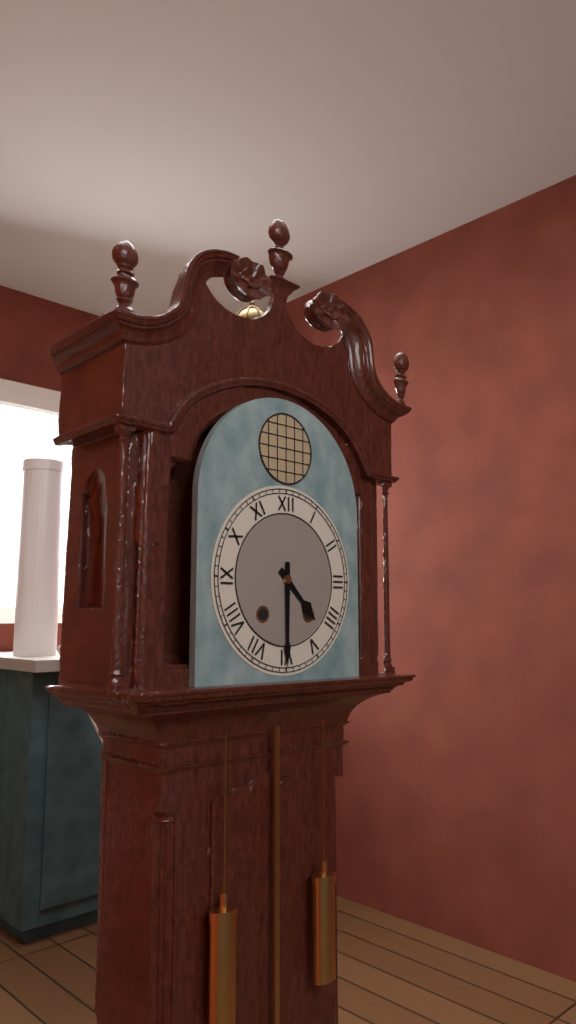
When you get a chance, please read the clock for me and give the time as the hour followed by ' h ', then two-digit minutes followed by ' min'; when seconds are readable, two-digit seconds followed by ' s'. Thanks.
4 h 30 min
